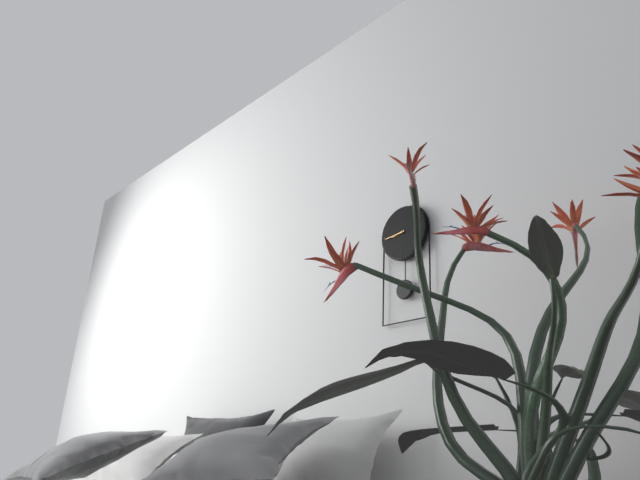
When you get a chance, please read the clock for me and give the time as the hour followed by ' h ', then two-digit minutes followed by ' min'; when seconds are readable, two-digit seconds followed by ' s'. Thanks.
8 h 44 min
